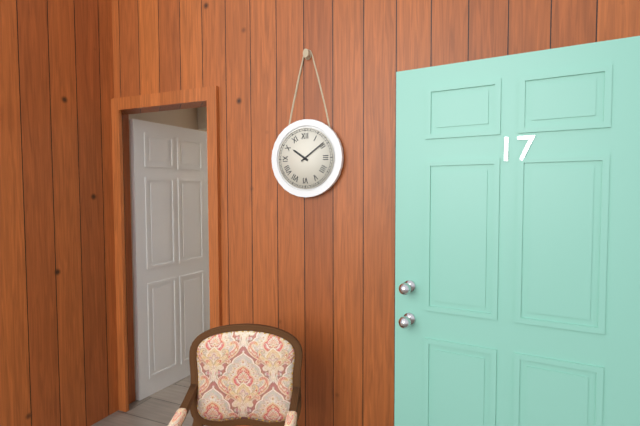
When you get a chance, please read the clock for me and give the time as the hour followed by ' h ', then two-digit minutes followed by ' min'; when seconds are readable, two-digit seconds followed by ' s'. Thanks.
10 h 09 min
